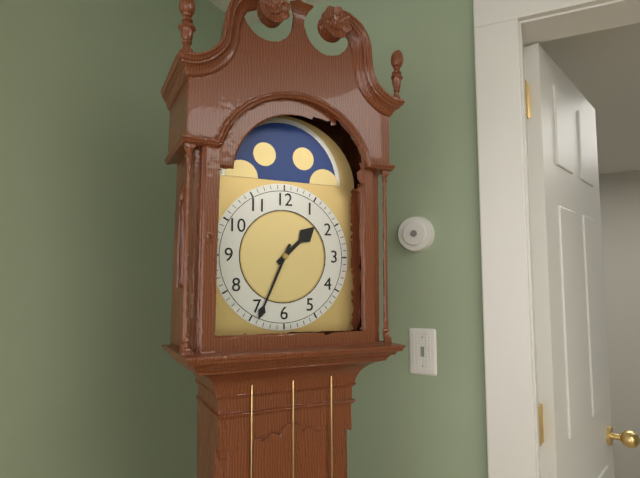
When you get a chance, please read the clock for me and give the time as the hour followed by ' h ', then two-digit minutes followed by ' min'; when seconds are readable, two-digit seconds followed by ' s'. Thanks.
1 h 34 min
